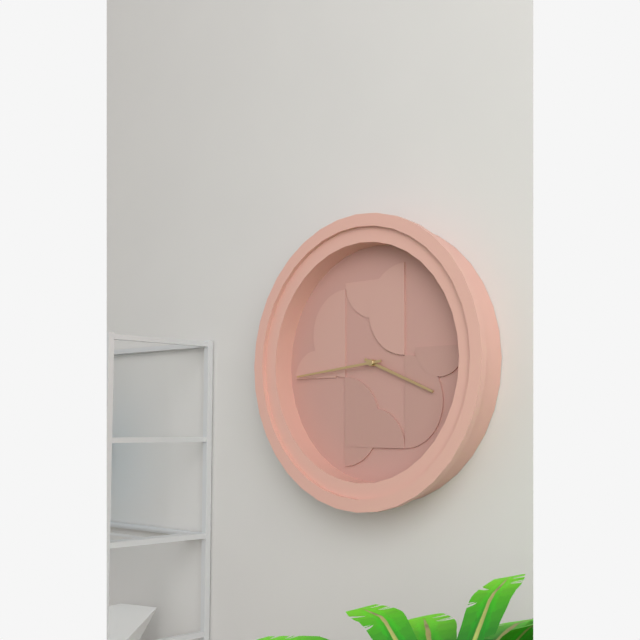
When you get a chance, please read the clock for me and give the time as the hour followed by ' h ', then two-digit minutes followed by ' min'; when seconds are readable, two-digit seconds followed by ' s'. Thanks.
3 h 44 min
